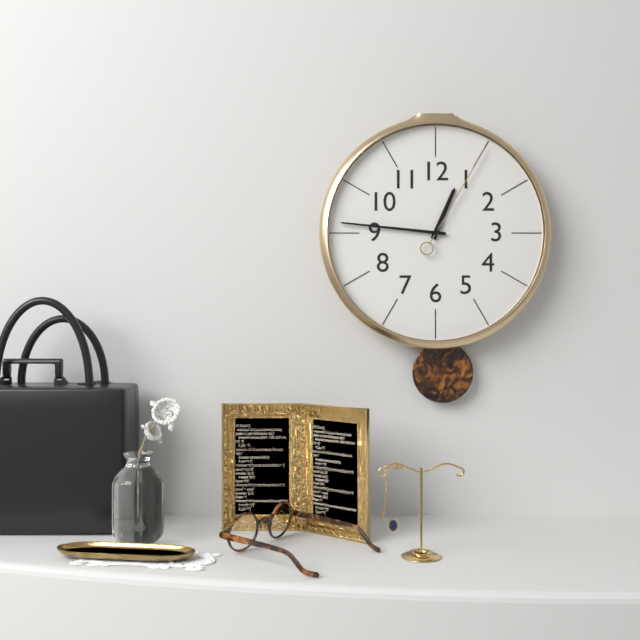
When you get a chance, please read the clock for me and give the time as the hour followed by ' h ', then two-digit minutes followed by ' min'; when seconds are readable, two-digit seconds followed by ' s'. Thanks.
12 h 46 min 05 s
